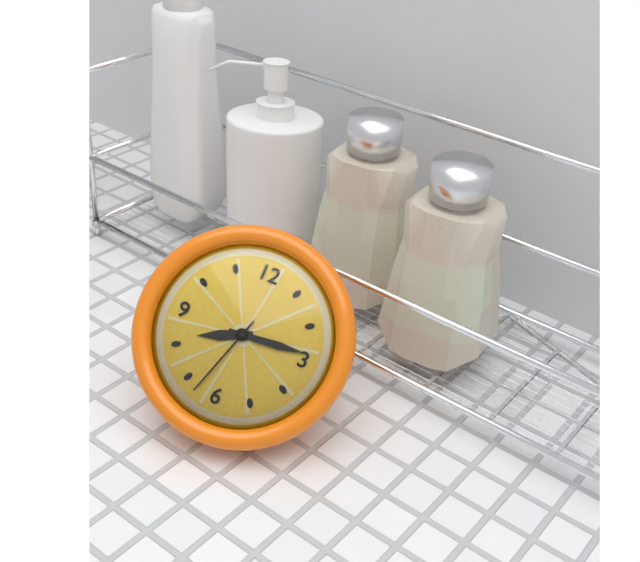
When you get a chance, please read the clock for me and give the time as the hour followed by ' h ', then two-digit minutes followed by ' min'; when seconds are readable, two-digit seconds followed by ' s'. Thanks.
8 h 14 min 33 s
